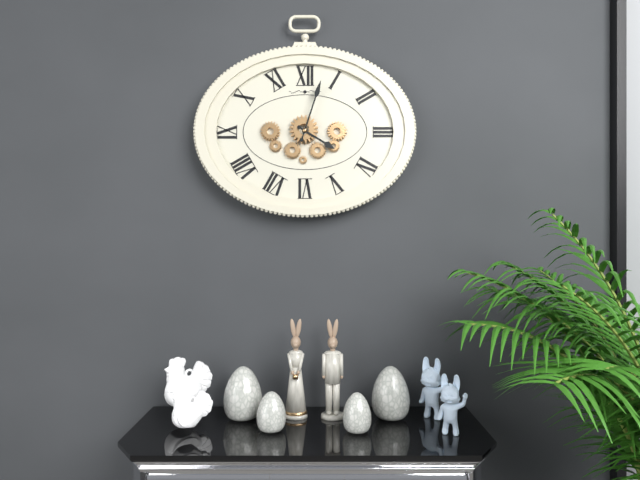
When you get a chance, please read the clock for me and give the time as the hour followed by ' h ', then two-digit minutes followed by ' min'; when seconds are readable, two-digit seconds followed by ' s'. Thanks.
4 h 03 min
